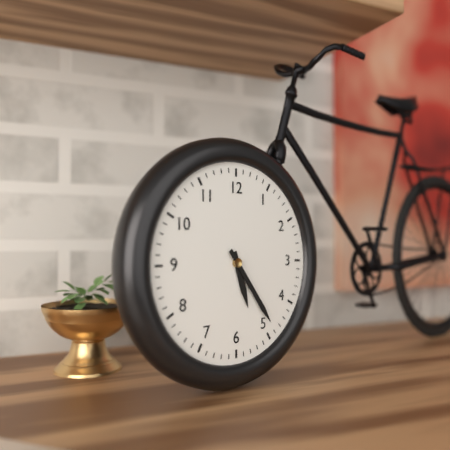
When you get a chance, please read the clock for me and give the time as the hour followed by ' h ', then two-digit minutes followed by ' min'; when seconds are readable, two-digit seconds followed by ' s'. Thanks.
5 h 24 min
